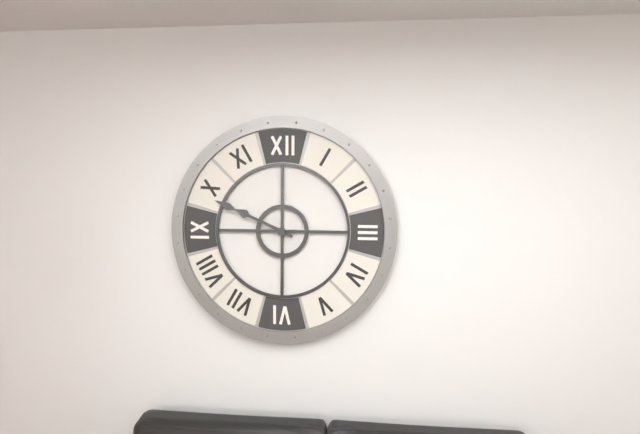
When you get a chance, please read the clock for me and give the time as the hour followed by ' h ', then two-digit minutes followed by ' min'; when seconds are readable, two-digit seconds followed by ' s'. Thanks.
9 h 49 min
